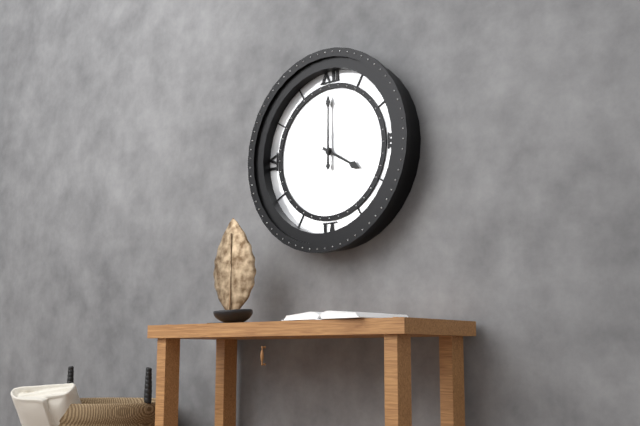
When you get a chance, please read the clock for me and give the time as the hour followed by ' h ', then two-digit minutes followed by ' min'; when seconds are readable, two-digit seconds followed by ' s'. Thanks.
4 h 00 min
